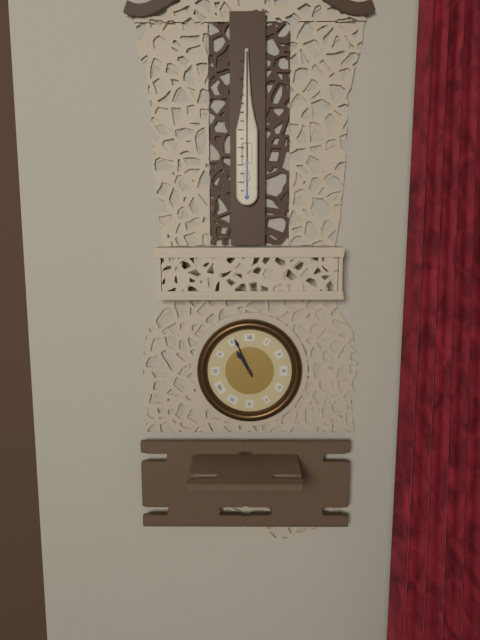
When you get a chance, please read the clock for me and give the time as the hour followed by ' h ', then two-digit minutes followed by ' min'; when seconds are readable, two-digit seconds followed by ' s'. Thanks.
10 h 56 min
